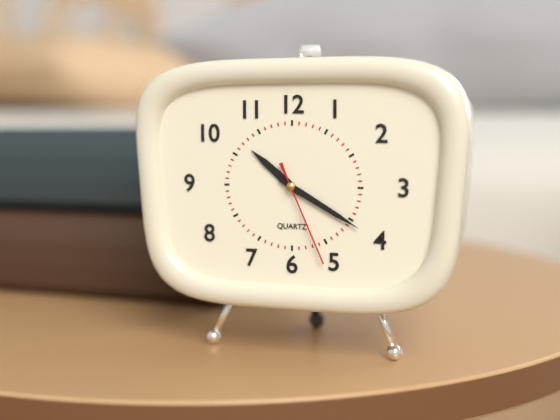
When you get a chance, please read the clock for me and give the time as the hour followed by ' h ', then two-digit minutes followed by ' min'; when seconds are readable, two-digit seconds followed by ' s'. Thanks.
10 h 20 min 26 s
